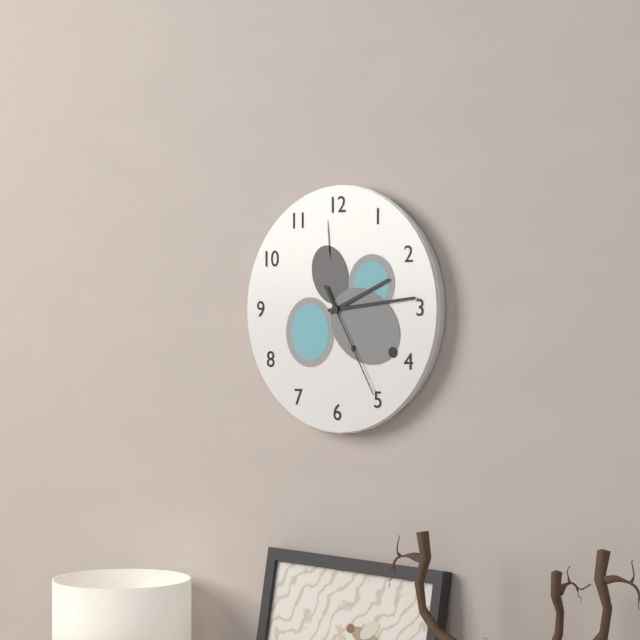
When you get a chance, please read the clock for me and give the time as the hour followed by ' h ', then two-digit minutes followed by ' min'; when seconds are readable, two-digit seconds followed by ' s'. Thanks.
2 h 14 min 25 s
